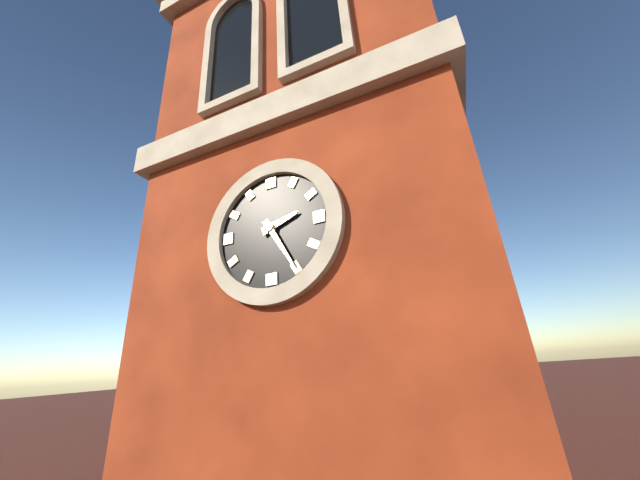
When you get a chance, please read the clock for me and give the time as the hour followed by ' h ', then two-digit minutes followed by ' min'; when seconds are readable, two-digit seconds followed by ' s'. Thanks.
2 h 25 min
